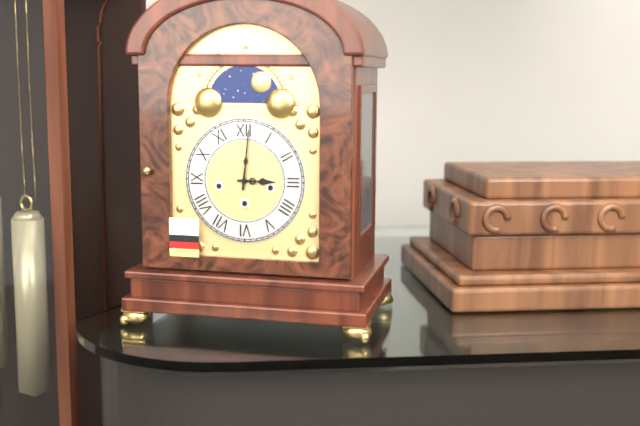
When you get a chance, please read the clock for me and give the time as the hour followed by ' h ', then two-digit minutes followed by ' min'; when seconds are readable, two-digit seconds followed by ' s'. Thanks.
3 h 01 min
